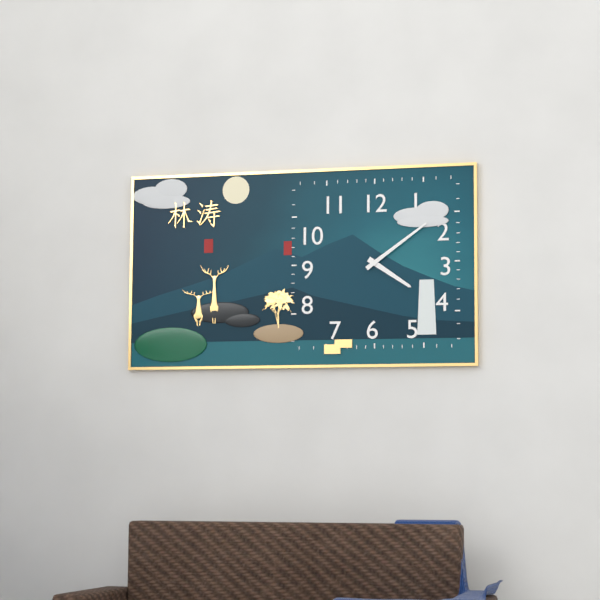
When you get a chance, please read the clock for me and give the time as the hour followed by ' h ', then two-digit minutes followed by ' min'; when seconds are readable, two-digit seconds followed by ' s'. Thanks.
4 h 09 min
